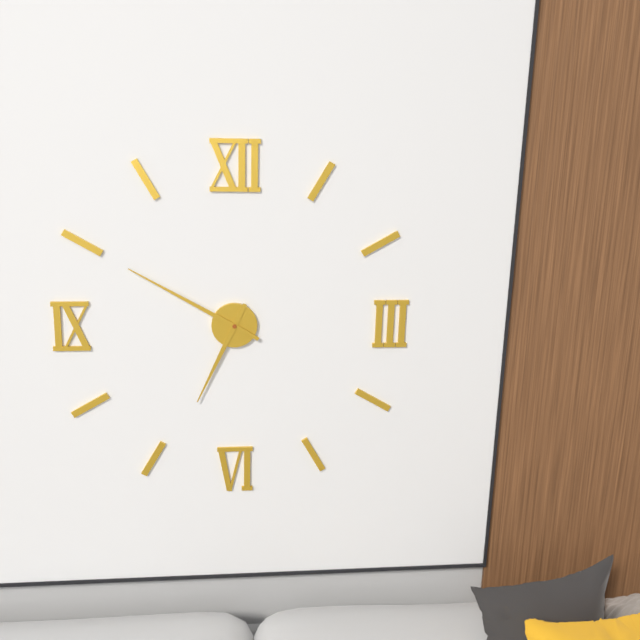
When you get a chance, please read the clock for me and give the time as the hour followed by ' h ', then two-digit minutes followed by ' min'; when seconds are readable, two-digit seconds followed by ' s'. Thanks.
6 h 50 min
